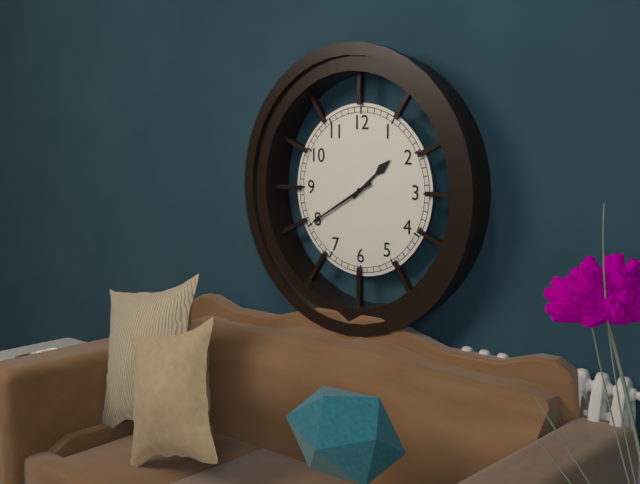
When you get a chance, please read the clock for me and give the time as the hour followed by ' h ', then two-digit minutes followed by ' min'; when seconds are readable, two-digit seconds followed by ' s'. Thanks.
1 h 40 min
